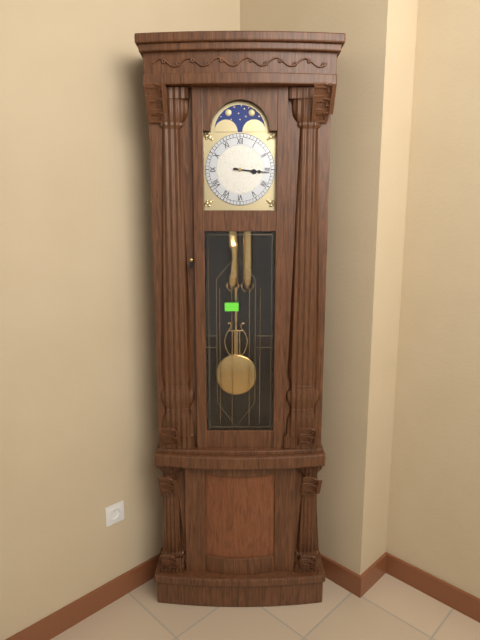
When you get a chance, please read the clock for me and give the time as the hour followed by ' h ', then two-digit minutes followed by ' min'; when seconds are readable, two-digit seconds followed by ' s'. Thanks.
3 h 16 min
